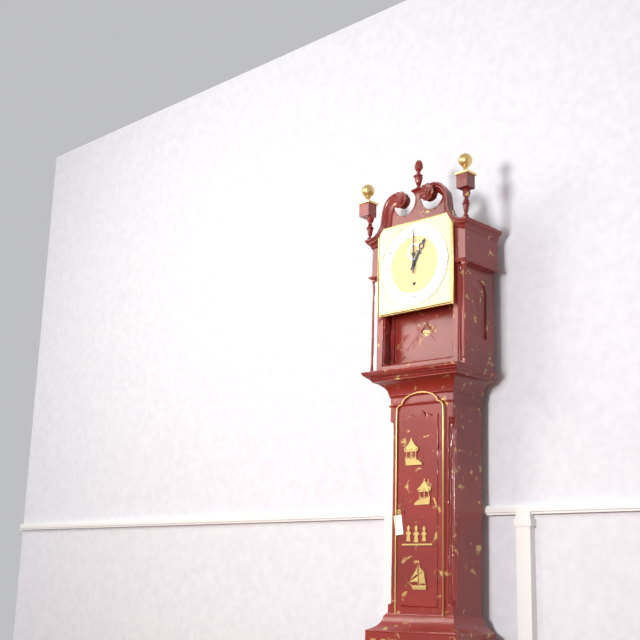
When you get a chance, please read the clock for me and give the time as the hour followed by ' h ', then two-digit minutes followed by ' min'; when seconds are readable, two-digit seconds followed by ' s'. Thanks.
1 h 00 min
